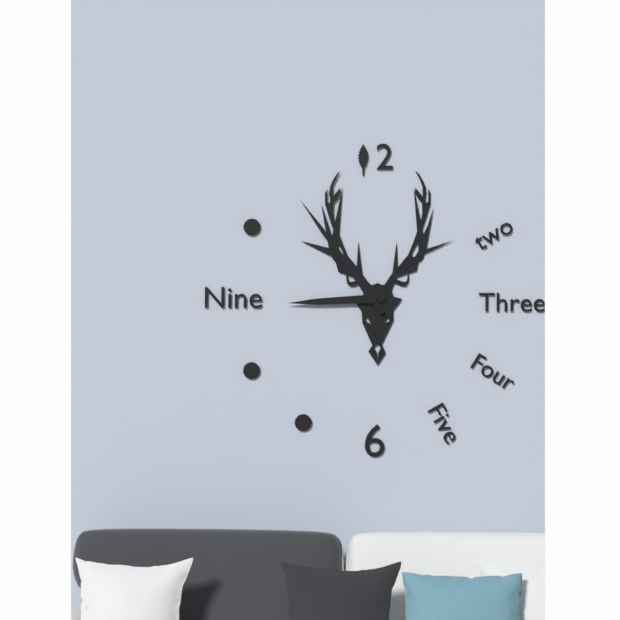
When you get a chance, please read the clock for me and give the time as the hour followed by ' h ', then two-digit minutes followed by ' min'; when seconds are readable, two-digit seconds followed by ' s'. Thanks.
8 h 54 min
